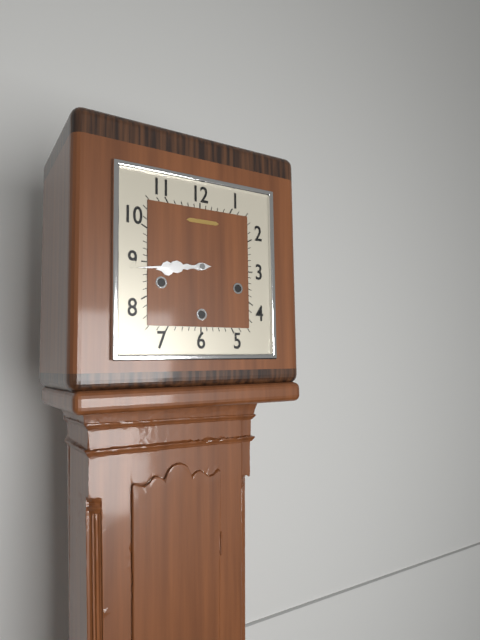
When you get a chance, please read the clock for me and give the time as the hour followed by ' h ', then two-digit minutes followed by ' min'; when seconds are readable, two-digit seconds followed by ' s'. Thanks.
8 h 44 min
